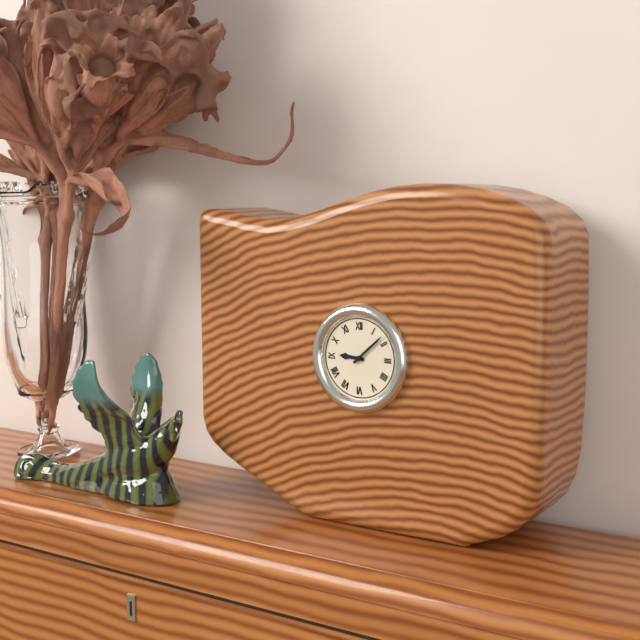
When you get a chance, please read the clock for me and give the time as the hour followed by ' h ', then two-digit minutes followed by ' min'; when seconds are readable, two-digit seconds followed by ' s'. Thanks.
9 h 08 min
